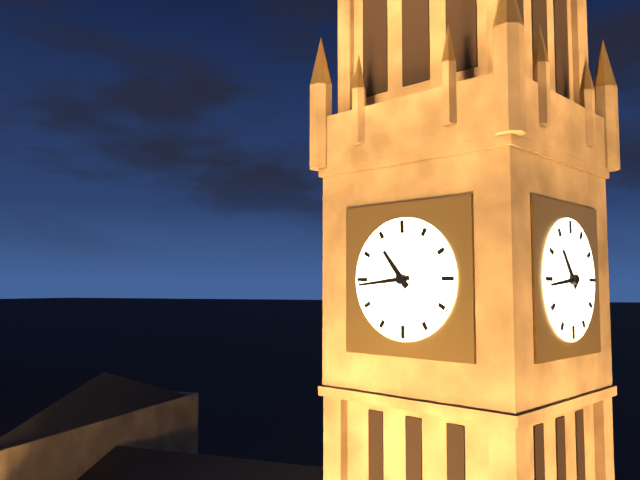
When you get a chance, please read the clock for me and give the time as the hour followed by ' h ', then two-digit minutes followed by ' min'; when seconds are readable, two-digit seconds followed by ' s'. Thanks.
10 h 44 min
